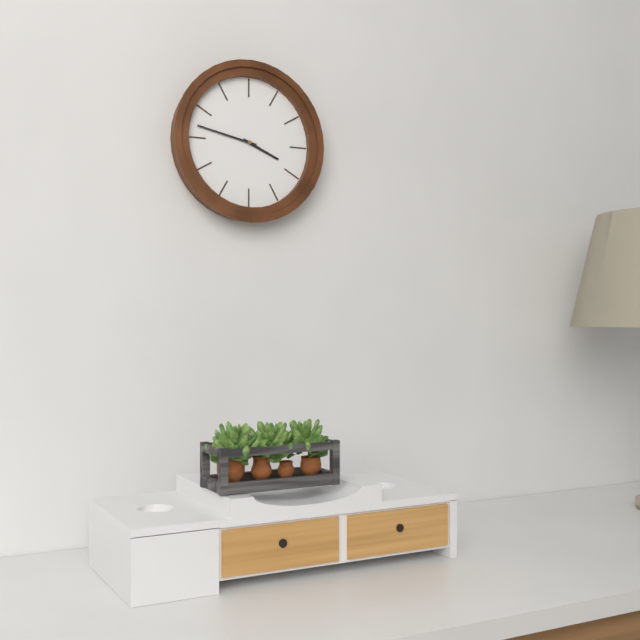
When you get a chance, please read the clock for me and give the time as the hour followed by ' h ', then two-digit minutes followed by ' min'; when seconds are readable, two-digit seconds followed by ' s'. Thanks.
3 h 47 min
